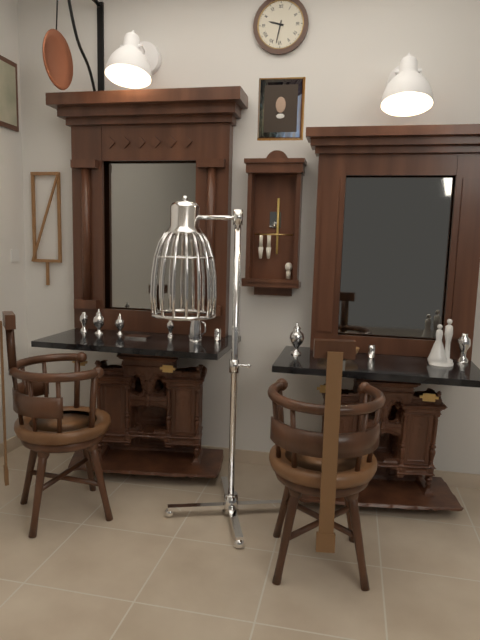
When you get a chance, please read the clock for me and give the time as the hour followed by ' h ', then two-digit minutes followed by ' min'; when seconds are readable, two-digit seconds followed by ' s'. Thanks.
9 h 32 min
